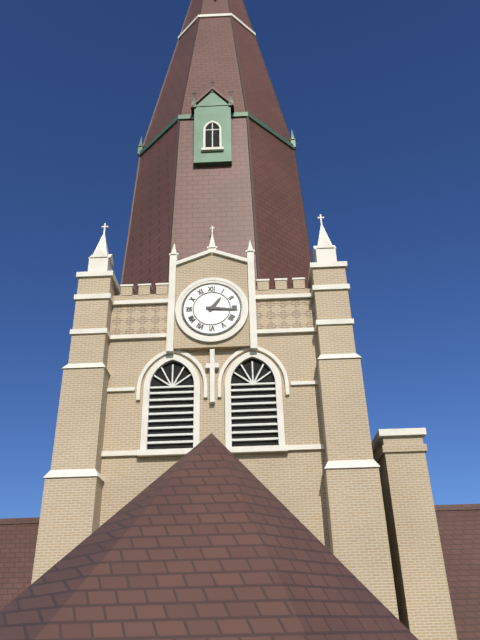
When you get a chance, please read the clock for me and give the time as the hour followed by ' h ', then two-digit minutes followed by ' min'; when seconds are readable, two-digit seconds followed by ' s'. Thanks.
1 h 16 min
